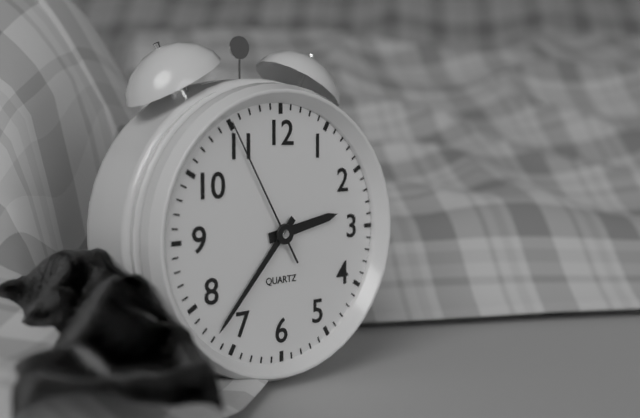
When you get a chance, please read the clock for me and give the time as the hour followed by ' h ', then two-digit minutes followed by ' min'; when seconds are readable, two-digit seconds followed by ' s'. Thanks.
2 h 37 min 55 s
